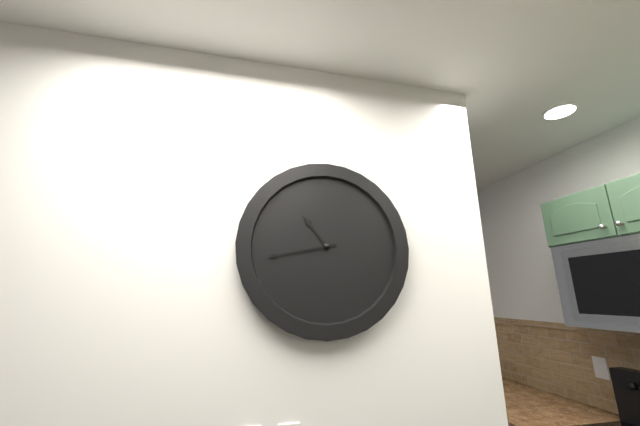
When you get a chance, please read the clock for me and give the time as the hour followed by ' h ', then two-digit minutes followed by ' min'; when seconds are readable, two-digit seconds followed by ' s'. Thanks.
10 h 43 min
